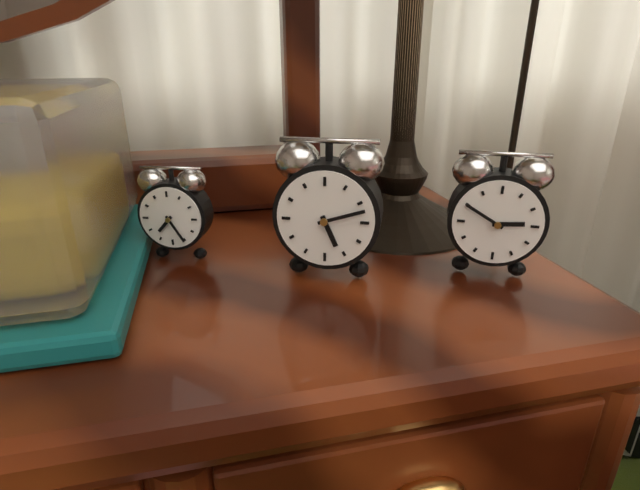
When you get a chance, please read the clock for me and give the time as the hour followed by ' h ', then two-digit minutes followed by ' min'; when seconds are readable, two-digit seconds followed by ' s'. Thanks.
5 h 12 min
